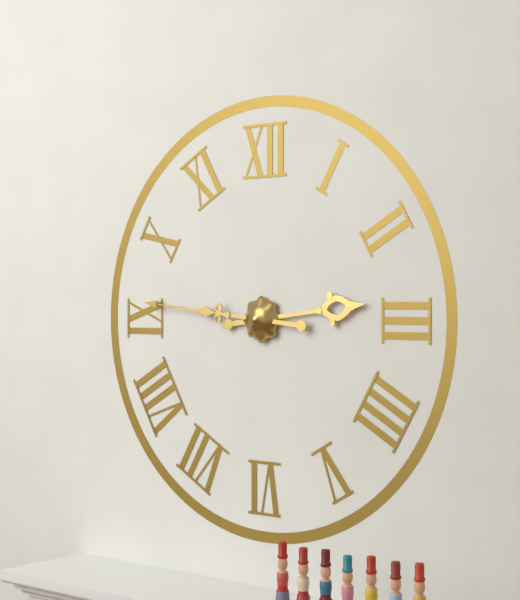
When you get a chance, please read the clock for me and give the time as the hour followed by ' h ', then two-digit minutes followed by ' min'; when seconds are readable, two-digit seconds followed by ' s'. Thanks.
2 h 46 min
